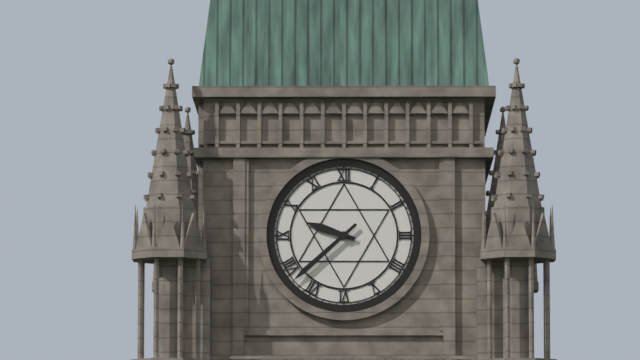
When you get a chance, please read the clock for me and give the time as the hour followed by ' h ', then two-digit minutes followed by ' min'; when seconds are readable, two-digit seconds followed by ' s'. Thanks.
9 h 38 min
